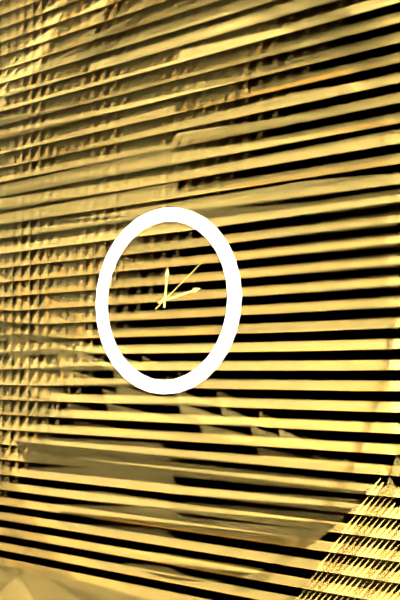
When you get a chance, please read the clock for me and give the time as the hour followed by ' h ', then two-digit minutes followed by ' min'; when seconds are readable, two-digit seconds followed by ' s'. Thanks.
12 h 13 min 09 s
